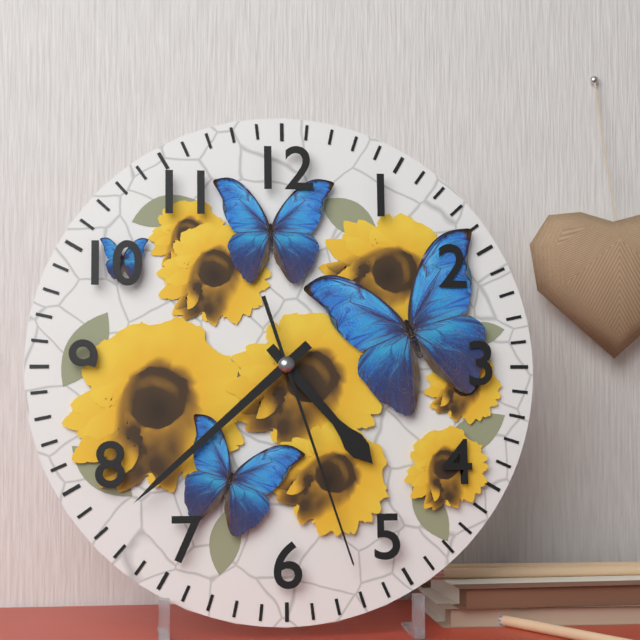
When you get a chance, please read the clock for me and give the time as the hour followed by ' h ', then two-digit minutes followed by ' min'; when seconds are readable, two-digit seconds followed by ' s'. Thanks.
4 h 38 min 27 s
